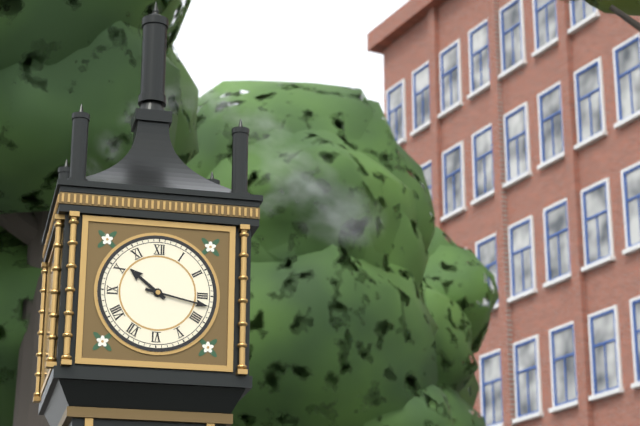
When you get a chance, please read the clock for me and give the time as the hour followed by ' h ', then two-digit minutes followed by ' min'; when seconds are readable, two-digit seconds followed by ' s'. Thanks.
10 h 17 min
